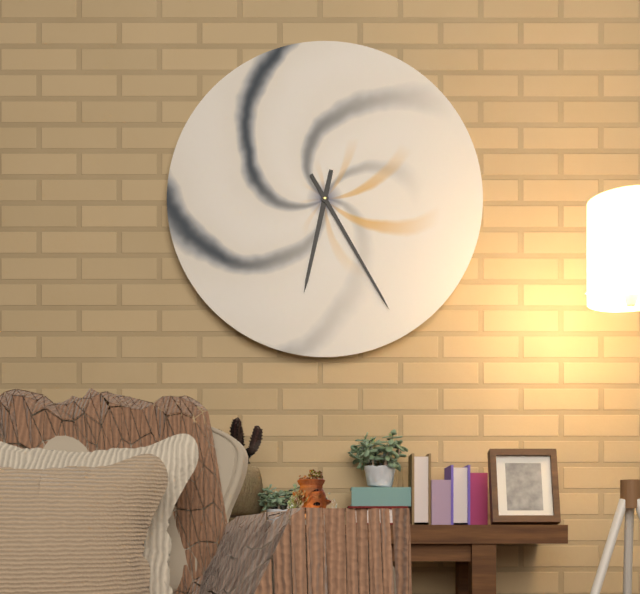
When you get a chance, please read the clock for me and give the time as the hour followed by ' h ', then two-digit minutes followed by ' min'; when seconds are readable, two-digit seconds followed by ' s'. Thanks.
6 h 25 min
